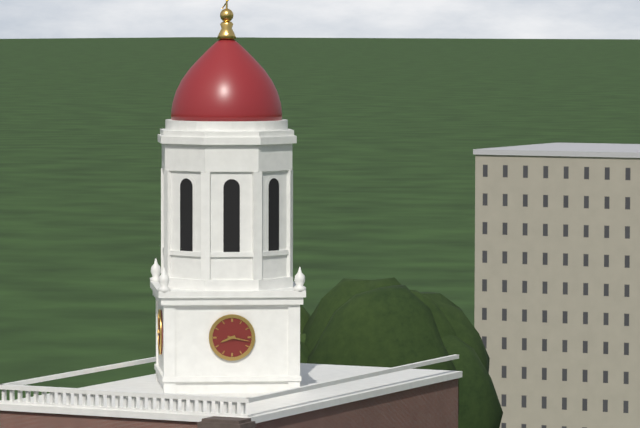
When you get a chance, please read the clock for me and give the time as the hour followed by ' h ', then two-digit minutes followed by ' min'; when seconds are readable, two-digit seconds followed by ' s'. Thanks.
8 h 17 min
